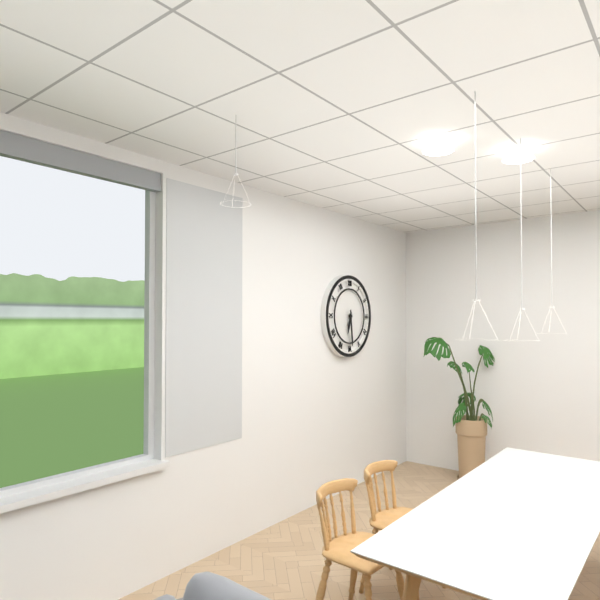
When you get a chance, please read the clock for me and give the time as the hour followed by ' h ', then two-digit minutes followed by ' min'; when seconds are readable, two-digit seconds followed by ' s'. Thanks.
6 h 29 min
